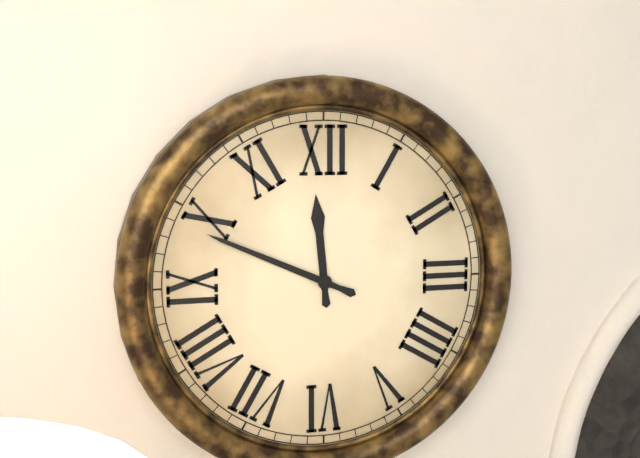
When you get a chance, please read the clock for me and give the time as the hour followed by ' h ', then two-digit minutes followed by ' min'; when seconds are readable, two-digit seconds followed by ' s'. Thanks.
11 h 49 min
